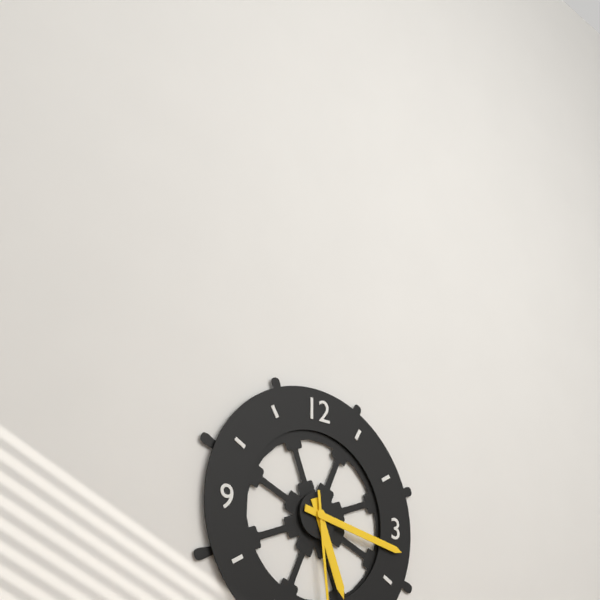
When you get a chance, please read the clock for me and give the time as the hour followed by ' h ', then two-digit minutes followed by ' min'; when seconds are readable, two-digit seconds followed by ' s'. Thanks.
5 h 17 min
